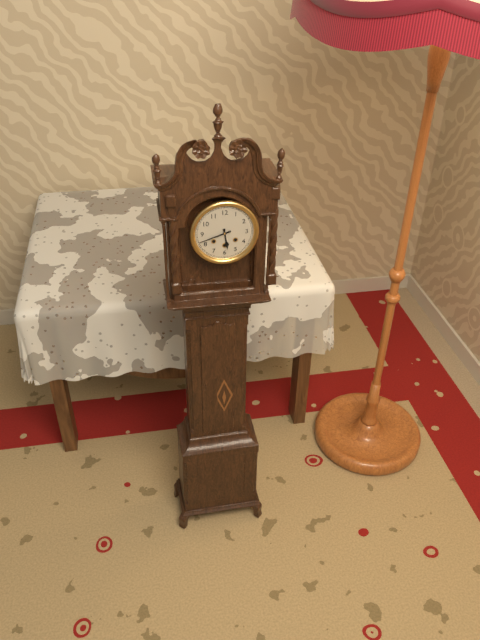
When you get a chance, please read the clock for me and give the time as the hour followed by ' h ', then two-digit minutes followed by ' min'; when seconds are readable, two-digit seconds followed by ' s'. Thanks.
5 h 42 min
